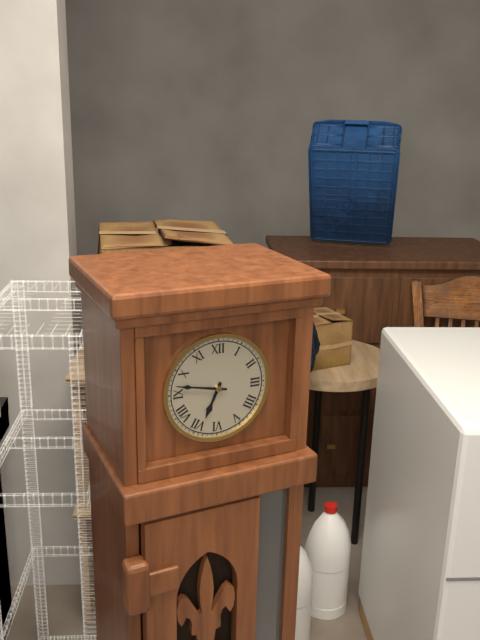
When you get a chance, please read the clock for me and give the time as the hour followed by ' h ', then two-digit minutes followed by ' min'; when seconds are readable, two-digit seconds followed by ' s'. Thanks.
6 h 47 min
